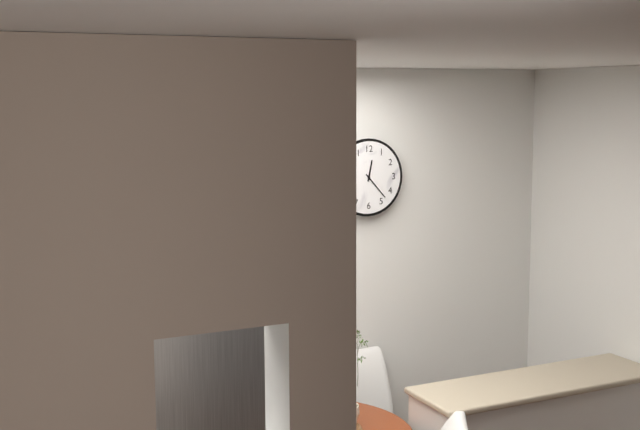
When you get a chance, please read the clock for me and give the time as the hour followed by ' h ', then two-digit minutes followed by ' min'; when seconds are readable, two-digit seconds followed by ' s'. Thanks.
12 h 23 min
